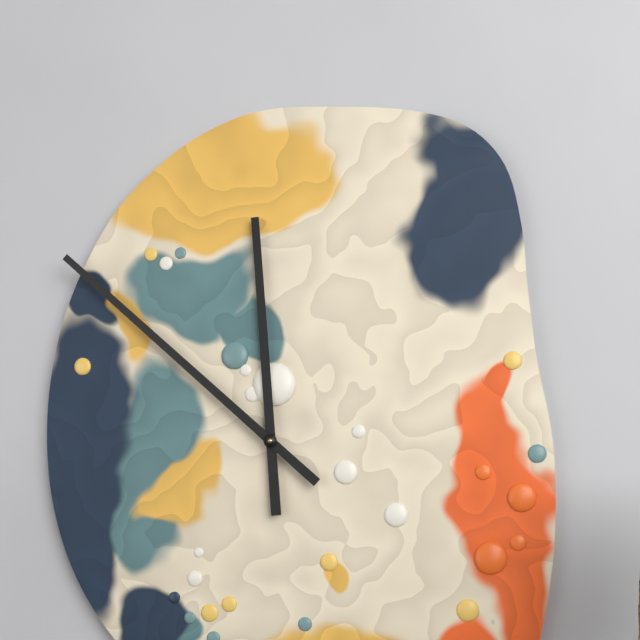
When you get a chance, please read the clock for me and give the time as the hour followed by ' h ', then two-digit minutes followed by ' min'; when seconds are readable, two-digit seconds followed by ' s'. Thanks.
11 h 52 min
